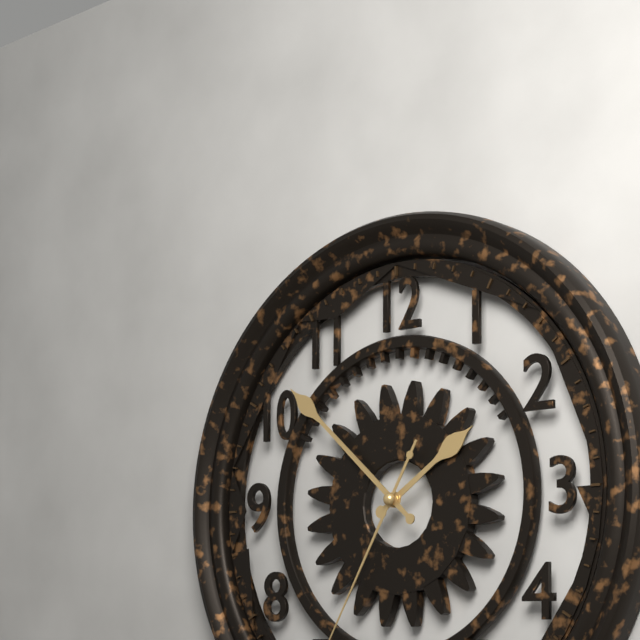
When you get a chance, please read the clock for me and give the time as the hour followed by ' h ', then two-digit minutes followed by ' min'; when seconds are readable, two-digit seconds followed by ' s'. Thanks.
1 h 52 min
